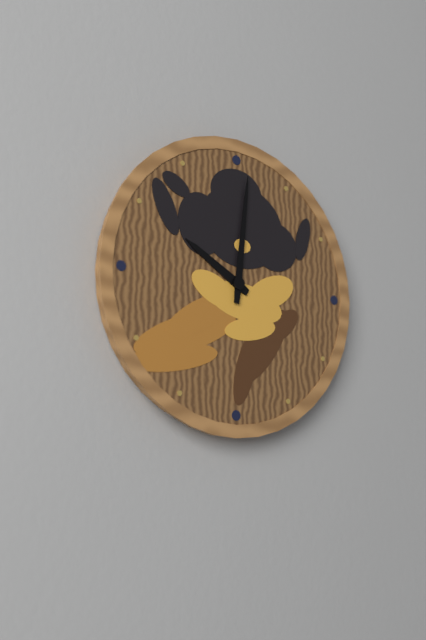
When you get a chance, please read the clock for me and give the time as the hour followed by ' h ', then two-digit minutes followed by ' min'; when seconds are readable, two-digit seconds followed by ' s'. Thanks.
10 h 01 min
